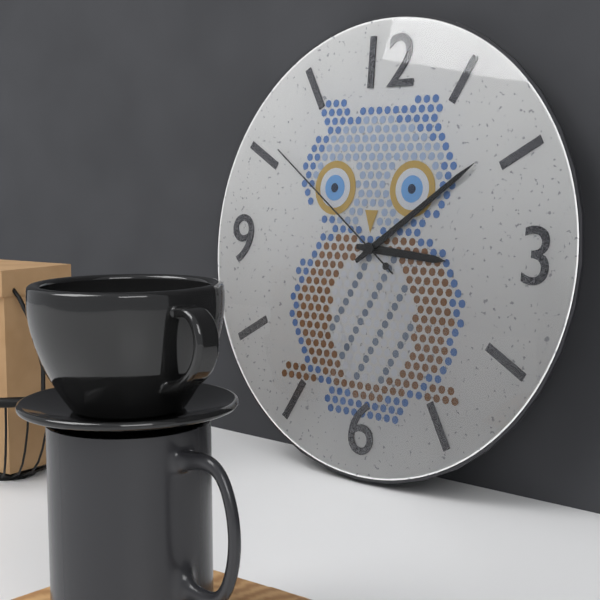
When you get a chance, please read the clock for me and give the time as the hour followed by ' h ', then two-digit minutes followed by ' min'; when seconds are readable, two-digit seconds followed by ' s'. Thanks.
3 h 09 min 51 s
